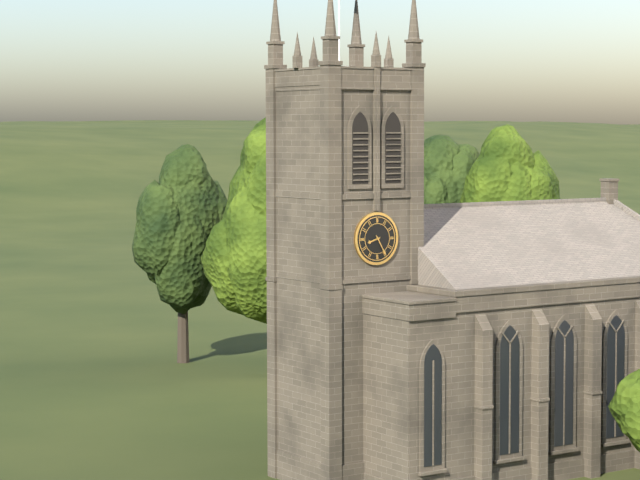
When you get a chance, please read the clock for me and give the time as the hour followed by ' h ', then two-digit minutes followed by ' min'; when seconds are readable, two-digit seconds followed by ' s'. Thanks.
8 h 25 min
